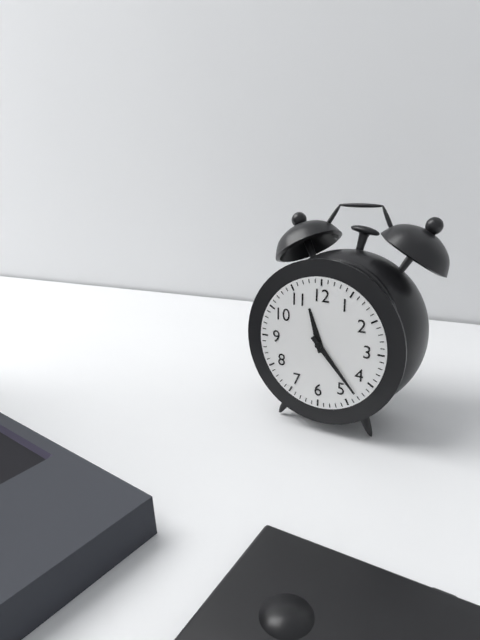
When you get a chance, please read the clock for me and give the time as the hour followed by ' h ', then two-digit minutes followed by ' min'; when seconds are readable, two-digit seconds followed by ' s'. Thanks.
11 h 23 min
